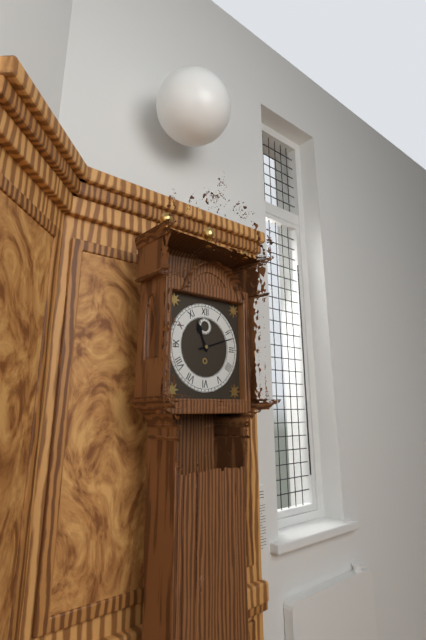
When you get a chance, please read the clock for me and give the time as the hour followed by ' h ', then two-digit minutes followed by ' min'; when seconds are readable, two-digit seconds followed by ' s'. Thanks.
11 h 12 min
